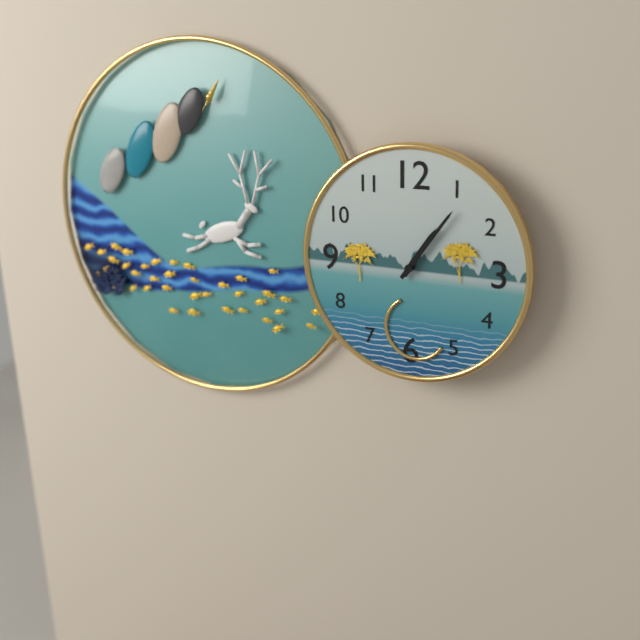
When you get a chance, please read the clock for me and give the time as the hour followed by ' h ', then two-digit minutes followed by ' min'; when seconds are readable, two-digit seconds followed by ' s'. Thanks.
1 h 06 min
